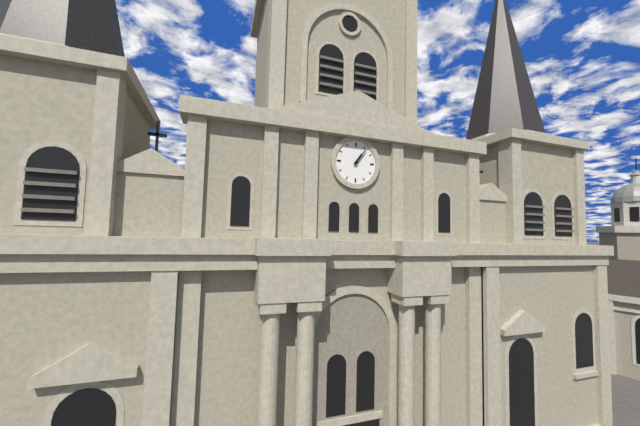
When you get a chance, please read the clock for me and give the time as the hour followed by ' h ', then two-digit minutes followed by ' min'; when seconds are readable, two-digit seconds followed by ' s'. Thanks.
1 h 06 min
